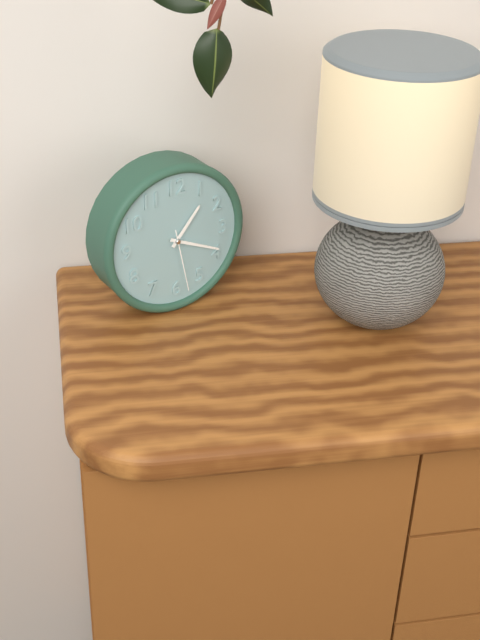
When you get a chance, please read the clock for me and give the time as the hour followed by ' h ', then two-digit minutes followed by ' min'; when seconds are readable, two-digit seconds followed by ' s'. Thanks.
1 h 19 min 28 s
